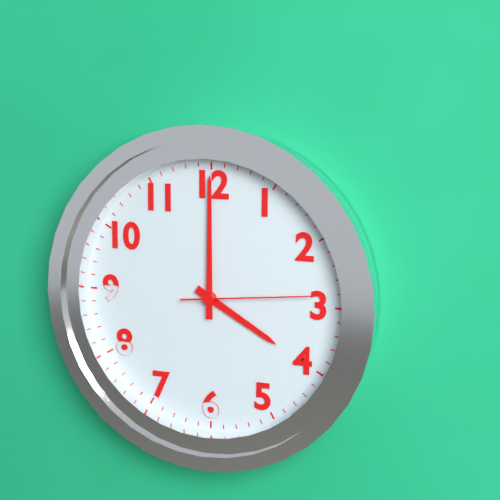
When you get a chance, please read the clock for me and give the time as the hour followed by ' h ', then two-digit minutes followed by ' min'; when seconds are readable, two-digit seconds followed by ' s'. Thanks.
4 h 00 min 14 s
